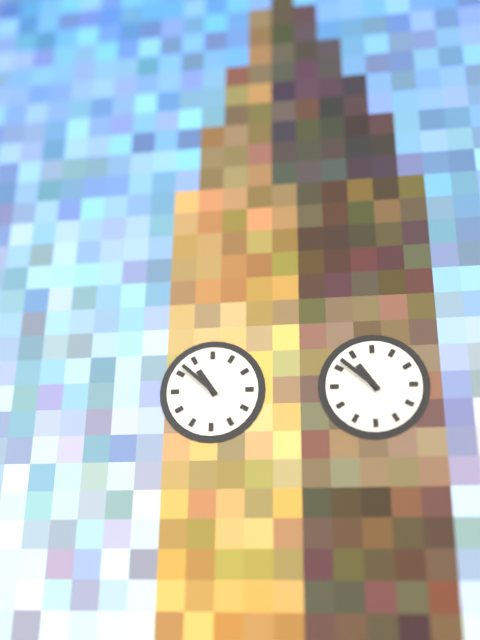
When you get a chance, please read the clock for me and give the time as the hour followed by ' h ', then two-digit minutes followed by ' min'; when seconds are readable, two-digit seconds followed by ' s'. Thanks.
10 h 52 min
